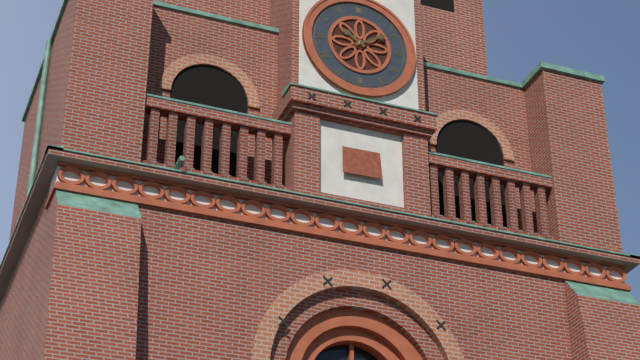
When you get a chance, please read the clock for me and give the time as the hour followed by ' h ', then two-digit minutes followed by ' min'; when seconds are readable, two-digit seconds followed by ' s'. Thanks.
10 h 10 min
